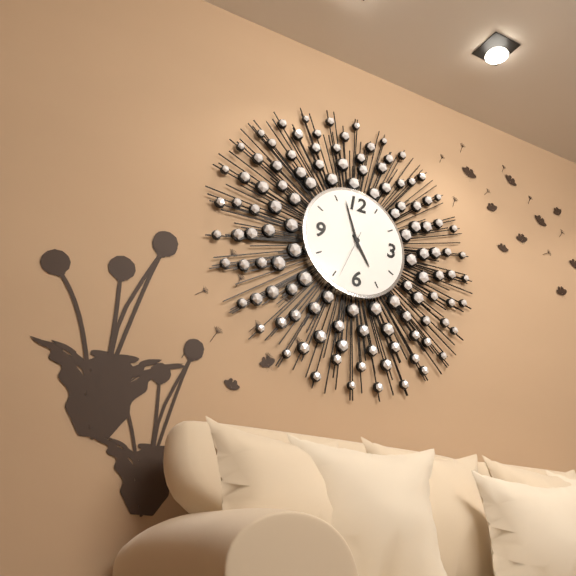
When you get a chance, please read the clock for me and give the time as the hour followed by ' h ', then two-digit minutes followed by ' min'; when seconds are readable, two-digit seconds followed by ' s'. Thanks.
4 h 57 min 34 s
